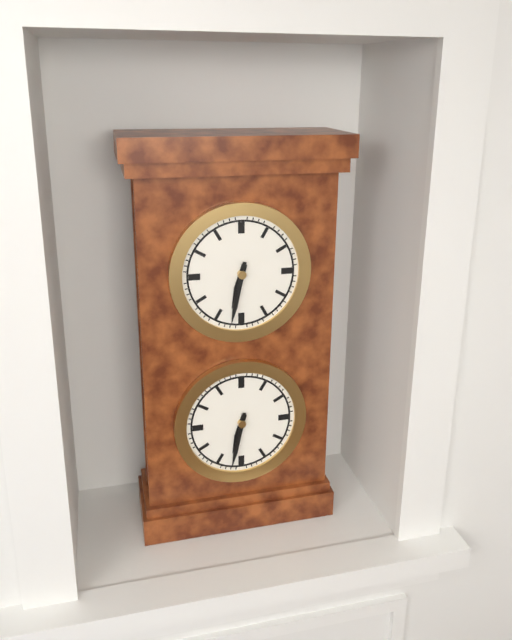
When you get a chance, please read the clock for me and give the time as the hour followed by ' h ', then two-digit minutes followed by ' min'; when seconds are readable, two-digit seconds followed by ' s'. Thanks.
6 h 32 min
